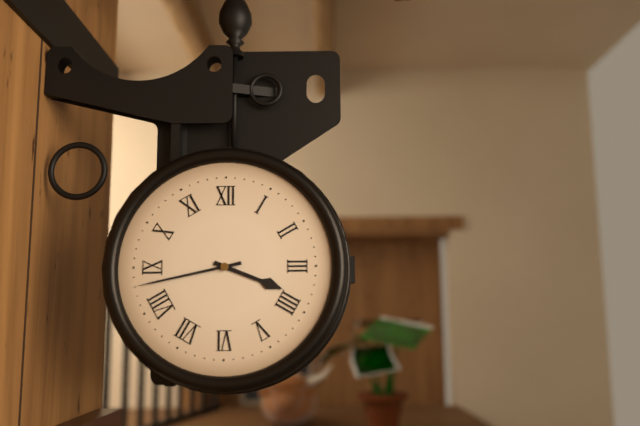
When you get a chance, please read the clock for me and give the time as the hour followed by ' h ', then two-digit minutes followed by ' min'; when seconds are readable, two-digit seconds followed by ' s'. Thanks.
3 h 43 min
